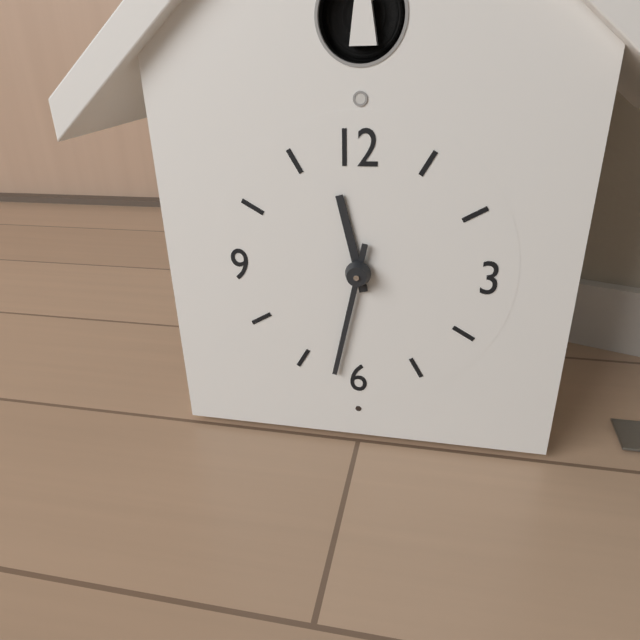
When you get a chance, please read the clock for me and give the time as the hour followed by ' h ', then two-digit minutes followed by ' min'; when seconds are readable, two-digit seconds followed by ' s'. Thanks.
11 h 32 min
